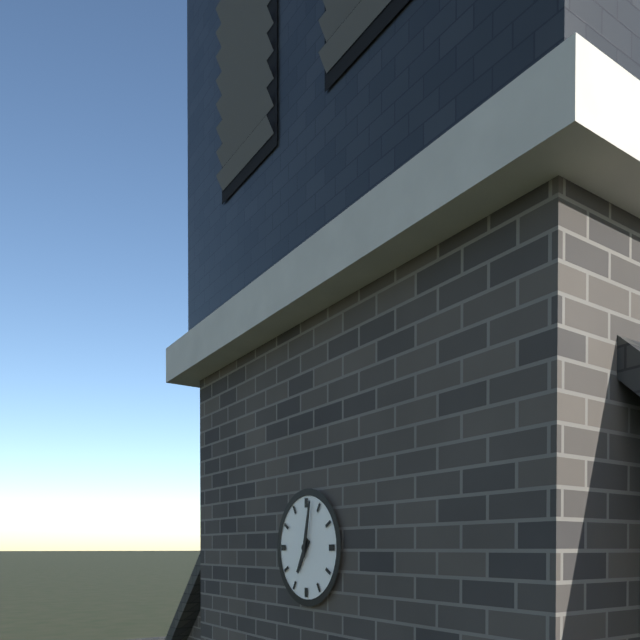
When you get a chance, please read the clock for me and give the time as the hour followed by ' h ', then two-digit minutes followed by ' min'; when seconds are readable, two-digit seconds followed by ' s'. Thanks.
7 h 02 min
